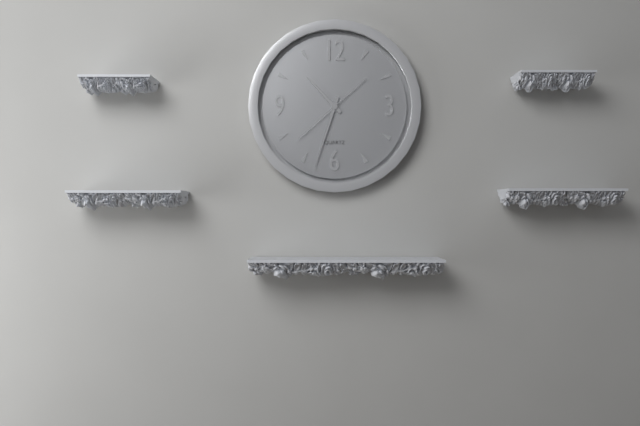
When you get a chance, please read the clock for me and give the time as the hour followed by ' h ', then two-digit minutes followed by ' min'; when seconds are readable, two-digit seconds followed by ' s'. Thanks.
10 h 33 min 38 s
